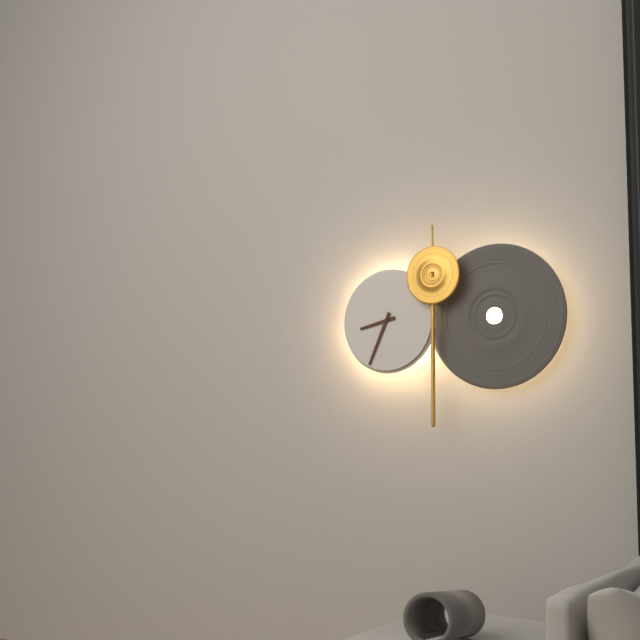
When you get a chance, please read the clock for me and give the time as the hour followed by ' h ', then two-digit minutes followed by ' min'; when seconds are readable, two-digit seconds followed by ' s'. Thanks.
8 h 34 min
